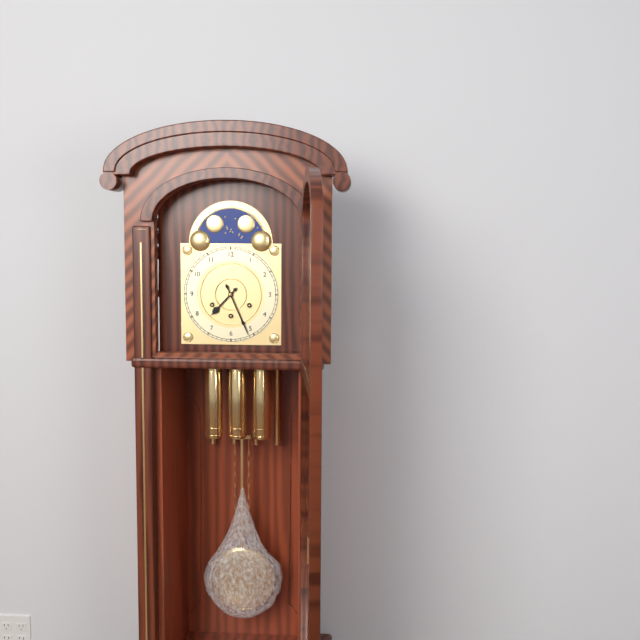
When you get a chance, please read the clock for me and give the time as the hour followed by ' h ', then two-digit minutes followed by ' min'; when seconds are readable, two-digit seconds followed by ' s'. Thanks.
7 h 26 min
